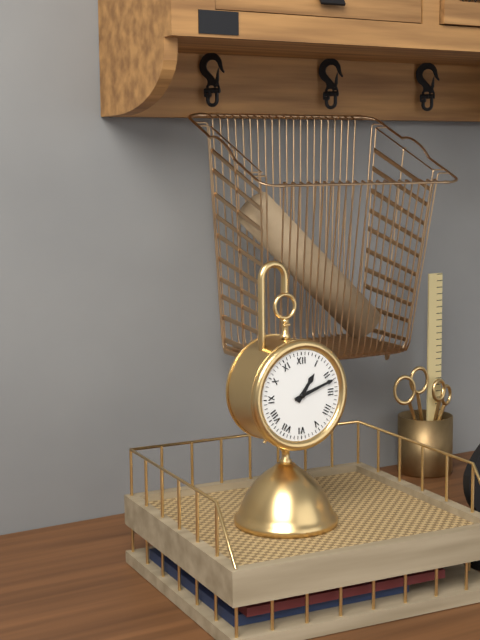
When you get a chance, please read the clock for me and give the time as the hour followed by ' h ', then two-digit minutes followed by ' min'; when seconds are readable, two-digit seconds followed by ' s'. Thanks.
1 h 12 min
